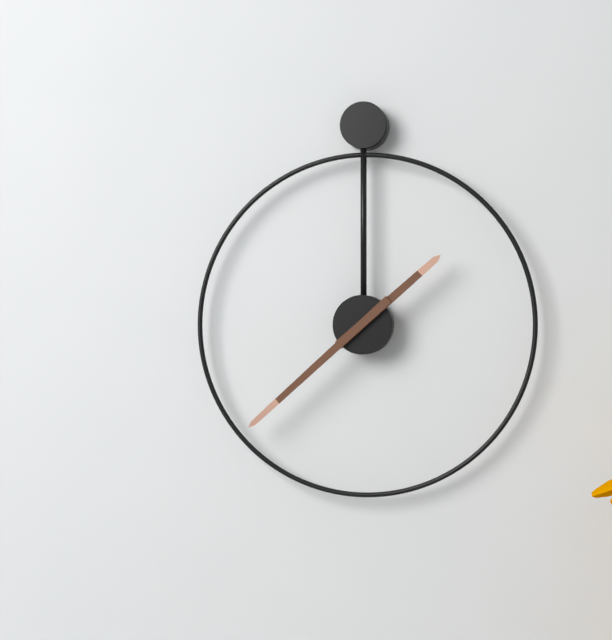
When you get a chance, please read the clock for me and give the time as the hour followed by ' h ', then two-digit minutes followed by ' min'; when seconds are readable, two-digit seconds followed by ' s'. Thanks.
1 h 38 min
